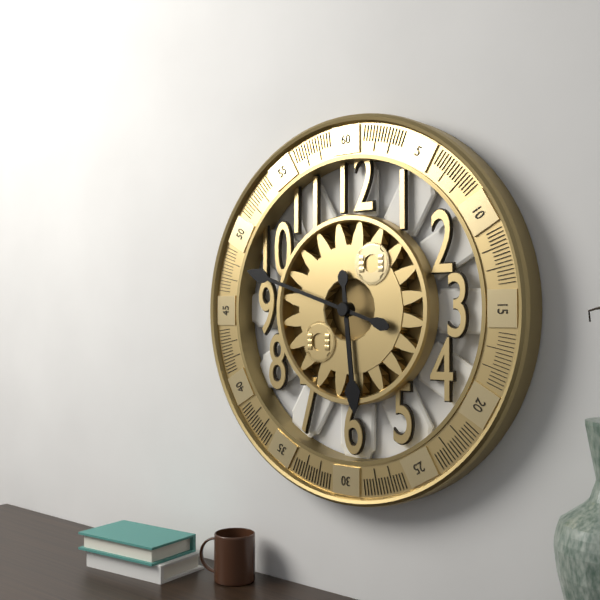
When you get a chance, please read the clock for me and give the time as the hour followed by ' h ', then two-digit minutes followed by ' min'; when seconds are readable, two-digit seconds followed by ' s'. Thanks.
5 h 48 min
